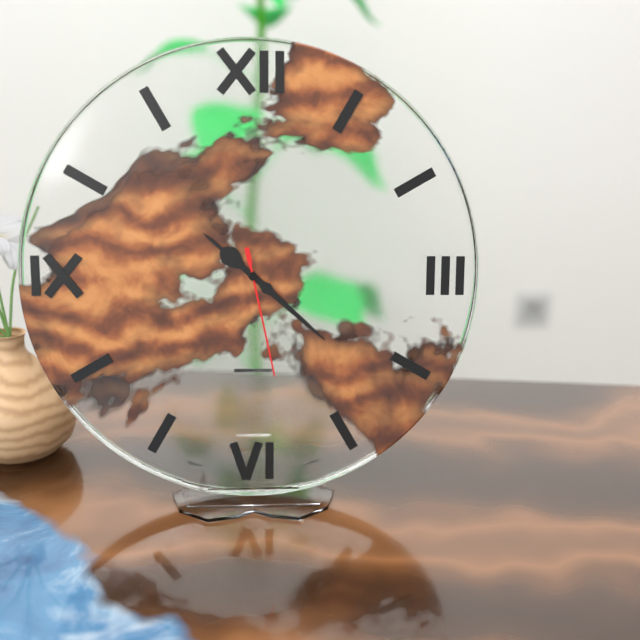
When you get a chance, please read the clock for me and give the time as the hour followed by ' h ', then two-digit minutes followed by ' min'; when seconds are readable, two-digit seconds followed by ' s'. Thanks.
10 h 22 min 28 s
